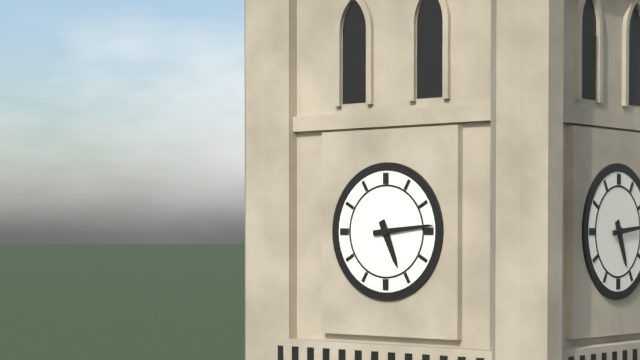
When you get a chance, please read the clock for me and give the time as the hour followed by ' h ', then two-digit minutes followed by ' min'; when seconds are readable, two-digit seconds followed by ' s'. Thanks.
5 h 14 min
